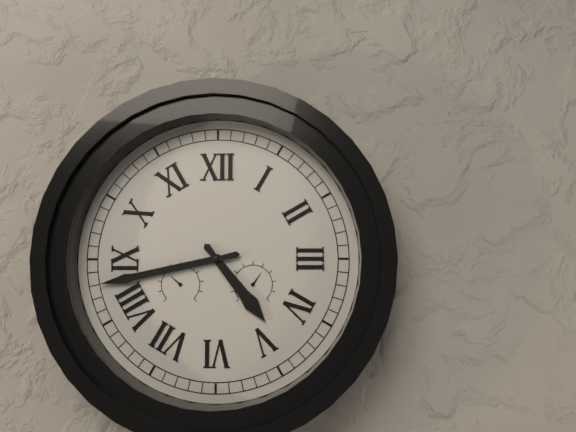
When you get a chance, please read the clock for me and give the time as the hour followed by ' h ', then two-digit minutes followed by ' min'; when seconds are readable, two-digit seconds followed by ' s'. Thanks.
4 h 43 min
